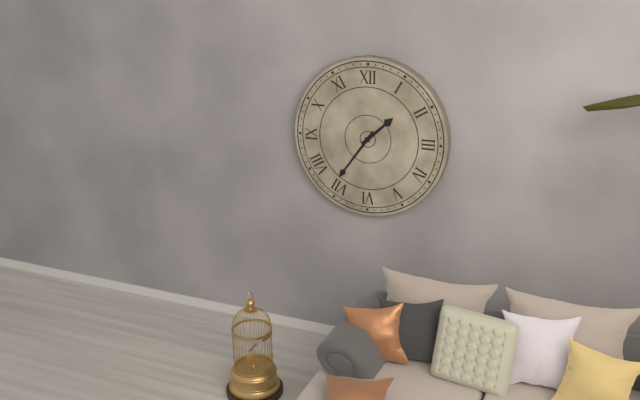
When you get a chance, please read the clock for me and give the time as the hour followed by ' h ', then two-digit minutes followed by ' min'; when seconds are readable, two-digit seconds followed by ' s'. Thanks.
1 h 36 min
